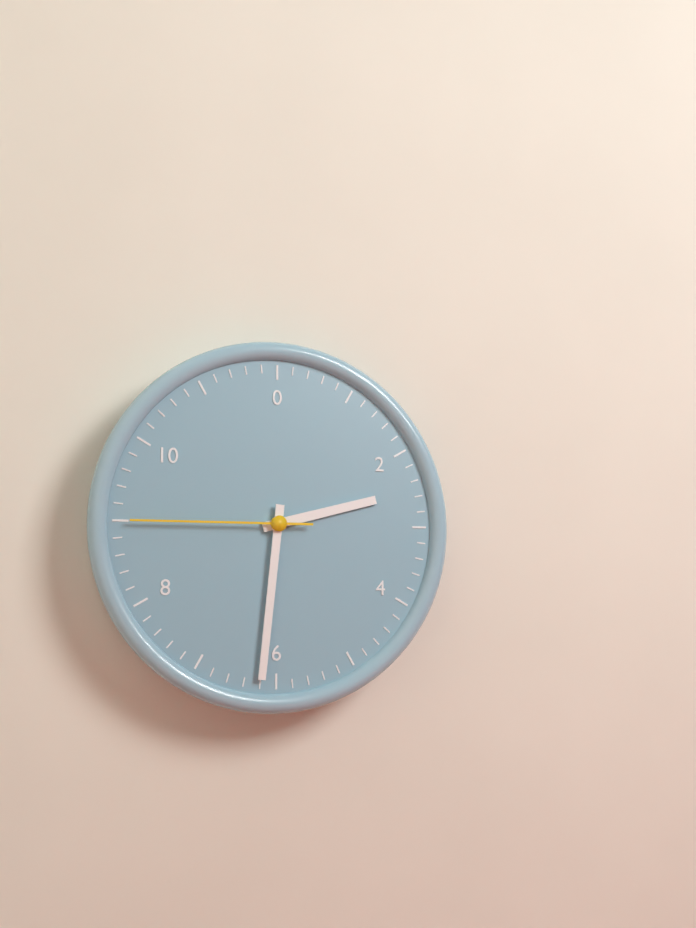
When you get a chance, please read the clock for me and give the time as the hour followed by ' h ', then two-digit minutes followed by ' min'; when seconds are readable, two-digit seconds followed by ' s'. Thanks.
2 h 31 min 45 s
